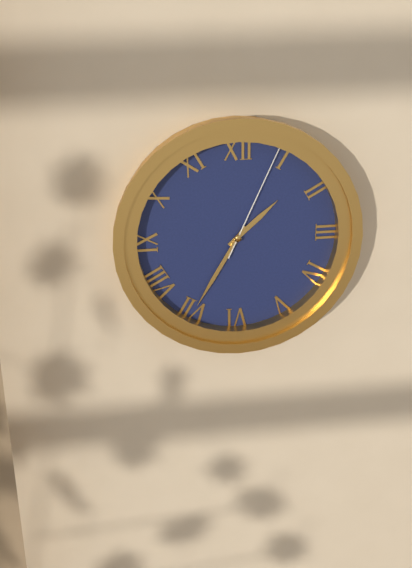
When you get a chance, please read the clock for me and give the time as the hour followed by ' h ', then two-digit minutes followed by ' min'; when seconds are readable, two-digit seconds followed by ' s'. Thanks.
1 h 35 min 04 s
